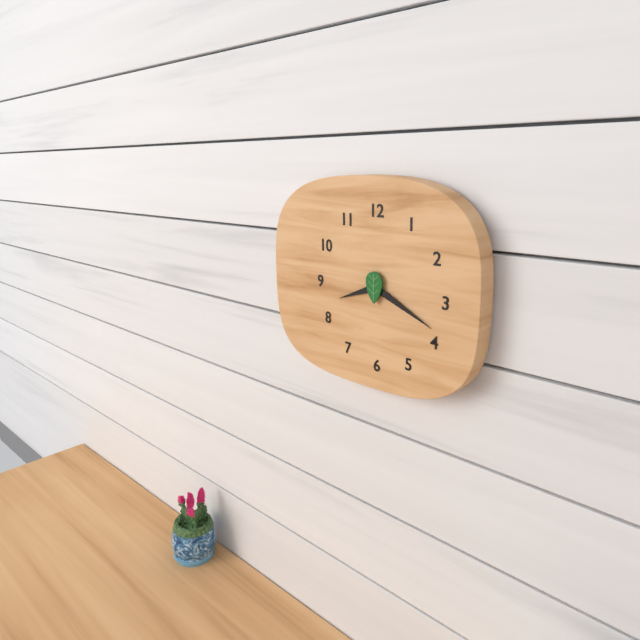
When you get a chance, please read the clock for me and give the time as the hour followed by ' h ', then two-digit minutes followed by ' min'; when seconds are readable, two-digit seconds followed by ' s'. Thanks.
8 h 19 min
